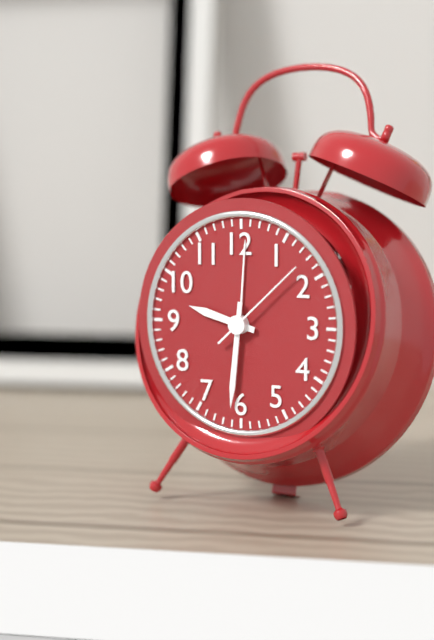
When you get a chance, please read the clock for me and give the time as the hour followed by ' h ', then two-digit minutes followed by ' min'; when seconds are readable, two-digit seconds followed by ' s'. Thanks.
9 h 31 min 08 s
